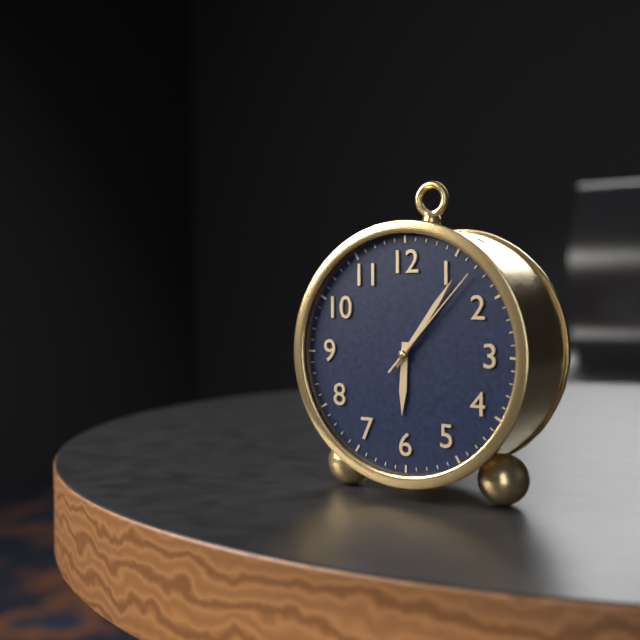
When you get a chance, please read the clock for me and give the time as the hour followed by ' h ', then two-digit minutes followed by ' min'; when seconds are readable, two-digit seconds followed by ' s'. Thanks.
6 h 06 min 07 s
